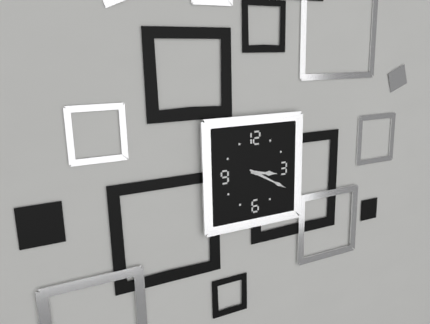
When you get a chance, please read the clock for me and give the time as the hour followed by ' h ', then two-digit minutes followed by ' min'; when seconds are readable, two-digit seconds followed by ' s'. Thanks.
3 h 20 min
